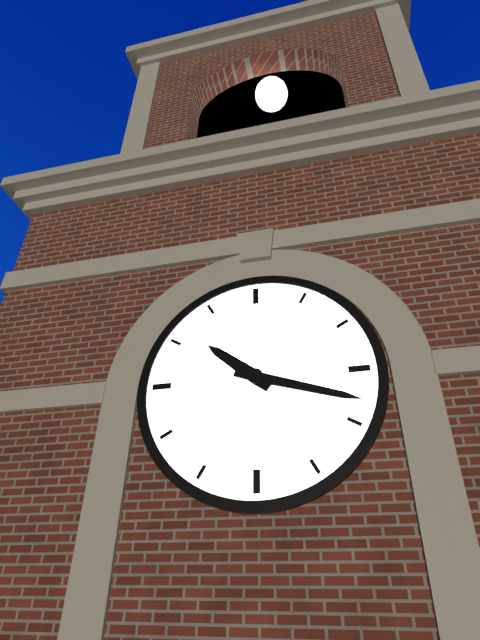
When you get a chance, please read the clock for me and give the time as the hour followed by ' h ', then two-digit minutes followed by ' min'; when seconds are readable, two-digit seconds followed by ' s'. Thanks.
10 h 18 min
